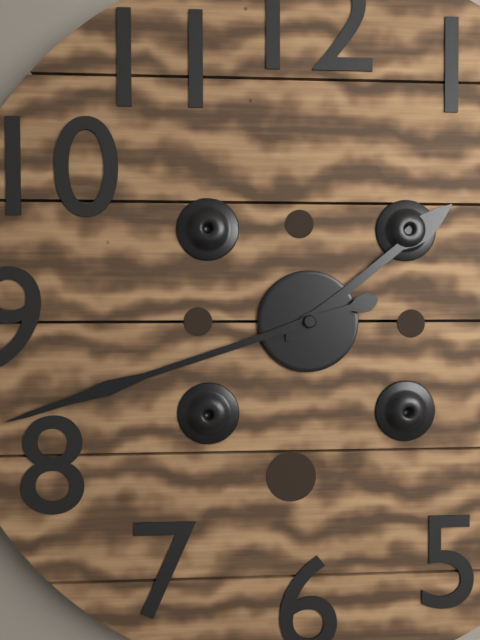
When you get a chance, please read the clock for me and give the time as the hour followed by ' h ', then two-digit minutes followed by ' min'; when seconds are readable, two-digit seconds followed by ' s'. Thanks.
1 h 42 min
